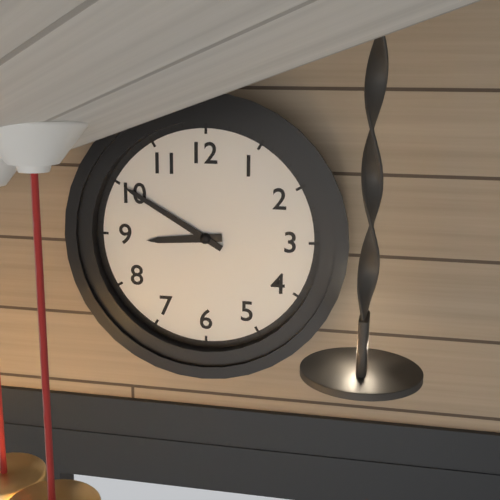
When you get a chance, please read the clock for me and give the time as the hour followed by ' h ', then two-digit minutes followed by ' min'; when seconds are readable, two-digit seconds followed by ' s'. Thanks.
8 h 50 min
